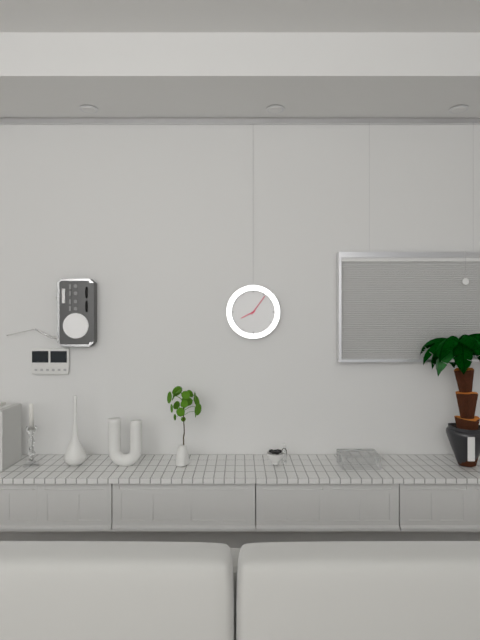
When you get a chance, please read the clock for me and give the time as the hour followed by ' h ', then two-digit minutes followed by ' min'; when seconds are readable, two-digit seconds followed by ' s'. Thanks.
8 h 06 min
